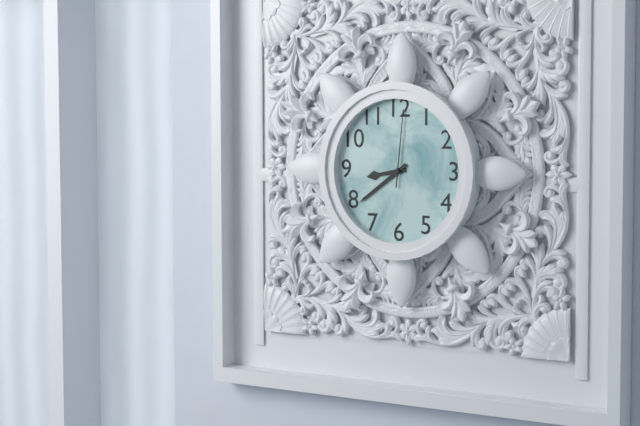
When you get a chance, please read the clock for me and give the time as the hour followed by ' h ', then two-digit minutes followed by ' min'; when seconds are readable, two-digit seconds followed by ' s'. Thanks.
8 h 39 min 01 s
